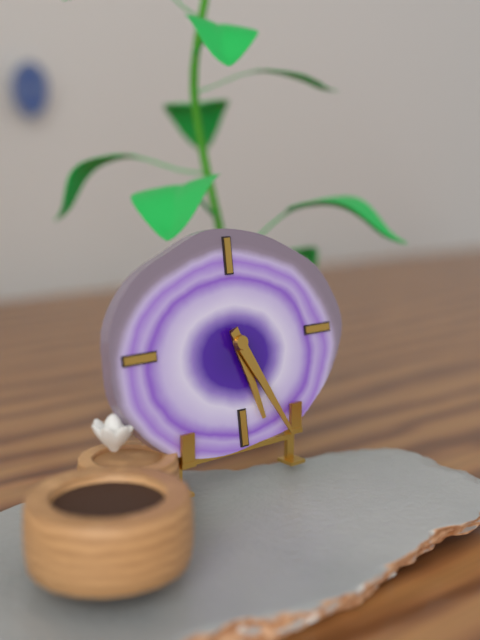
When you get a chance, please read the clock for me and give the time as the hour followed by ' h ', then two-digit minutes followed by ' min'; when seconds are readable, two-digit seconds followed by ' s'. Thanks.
5 h 25 min
